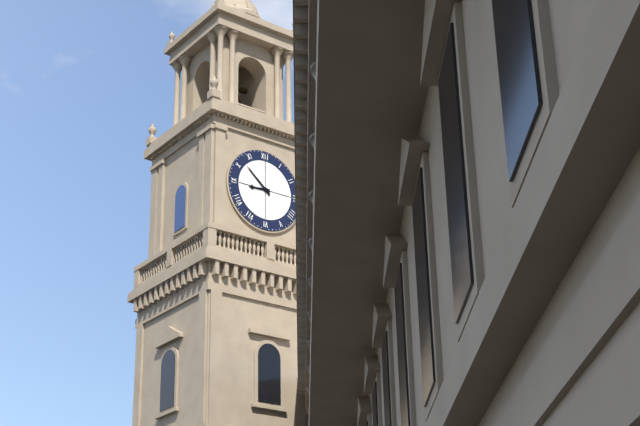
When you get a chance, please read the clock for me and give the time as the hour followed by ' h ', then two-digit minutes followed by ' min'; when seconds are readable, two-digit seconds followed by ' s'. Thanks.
8 h 52 min
